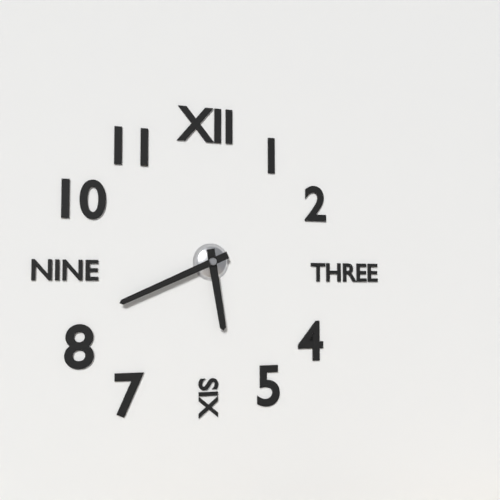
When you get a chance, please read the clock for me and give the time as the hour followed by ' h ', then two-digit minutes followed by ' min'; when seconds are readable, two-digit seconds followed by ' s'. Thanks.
5 h 41 min
